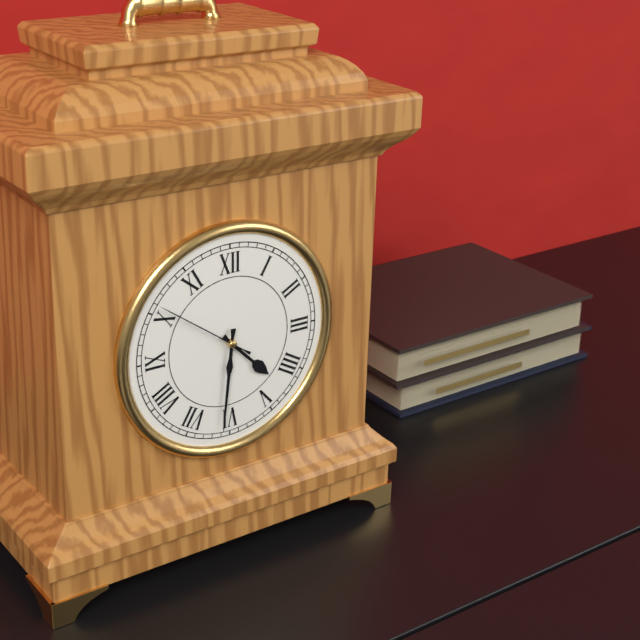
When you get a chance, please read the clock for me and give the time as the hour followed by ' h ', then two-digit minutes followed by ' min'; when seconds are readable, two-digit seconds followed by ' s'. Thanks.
4 h 31 min 51 s
